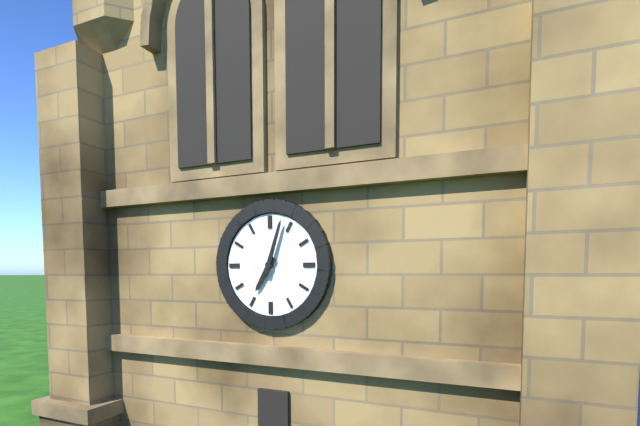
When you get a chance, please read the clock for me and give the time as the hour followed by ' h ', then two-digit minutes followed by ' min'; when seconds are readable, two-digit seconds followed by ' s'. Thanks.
7 h 03 min
